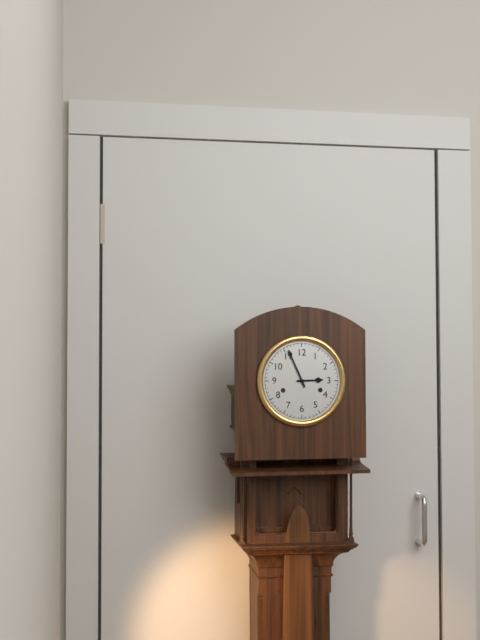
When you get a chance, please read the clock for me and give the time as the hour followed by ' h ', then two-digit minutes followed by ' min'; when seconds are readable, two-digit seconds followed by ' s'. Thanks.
2 h 56 min
